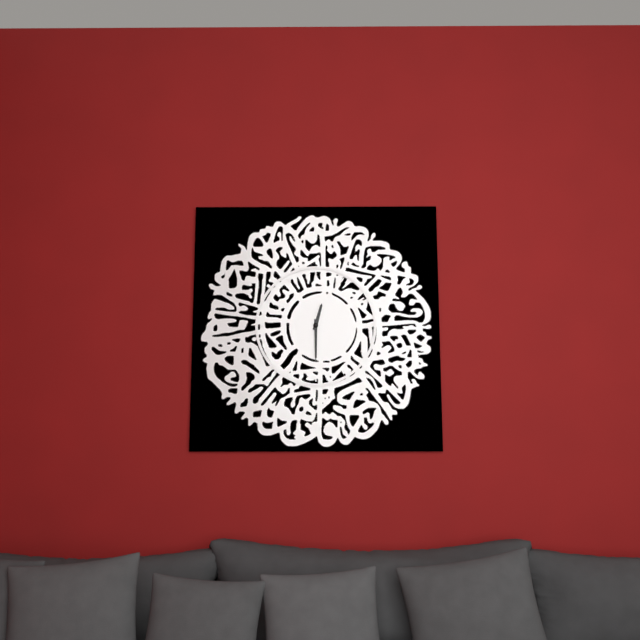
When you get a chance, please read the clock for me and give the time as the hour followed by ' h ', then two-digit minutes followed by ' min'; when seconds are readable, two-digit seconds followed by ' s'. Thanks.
12 h 30 min
